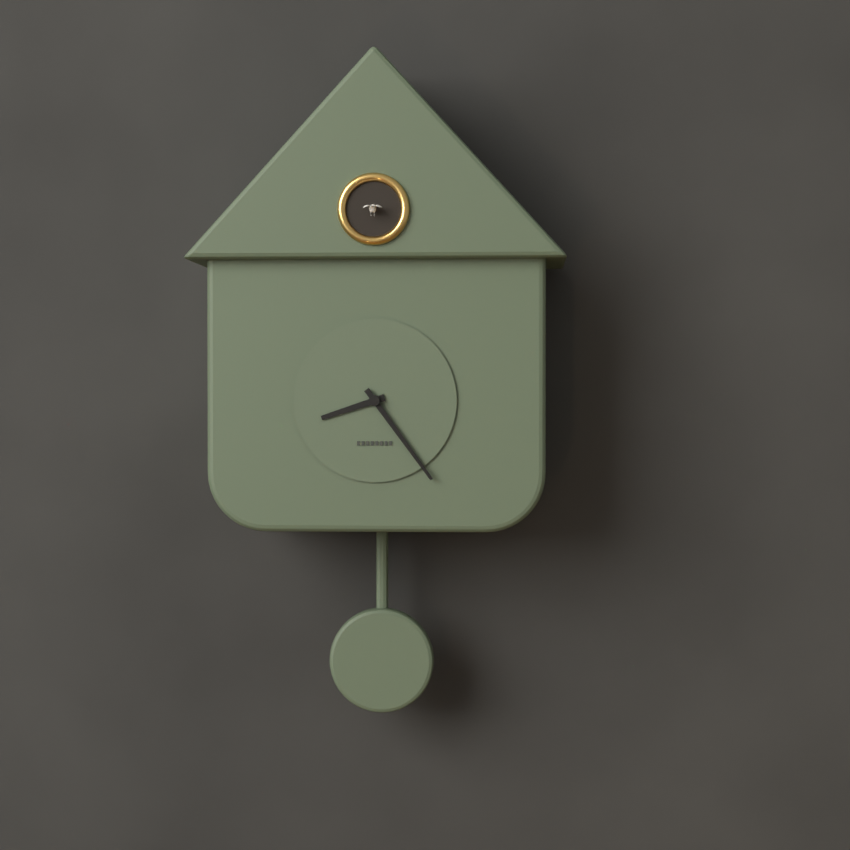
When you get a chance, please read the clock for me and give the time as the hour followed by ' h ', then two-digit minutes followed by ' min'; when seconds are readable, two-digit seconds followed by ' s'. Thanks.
8 h 24 min
